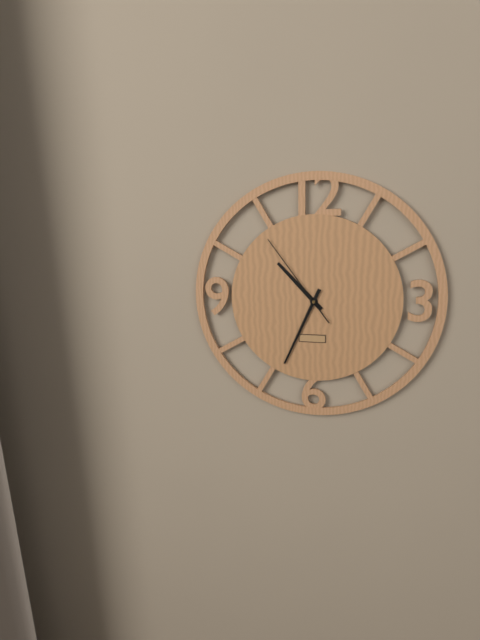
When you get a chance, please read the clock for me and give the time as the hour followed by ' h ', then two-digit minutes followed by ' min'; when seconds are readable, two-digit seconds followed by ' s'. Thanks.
10 h 34 min 54 s
